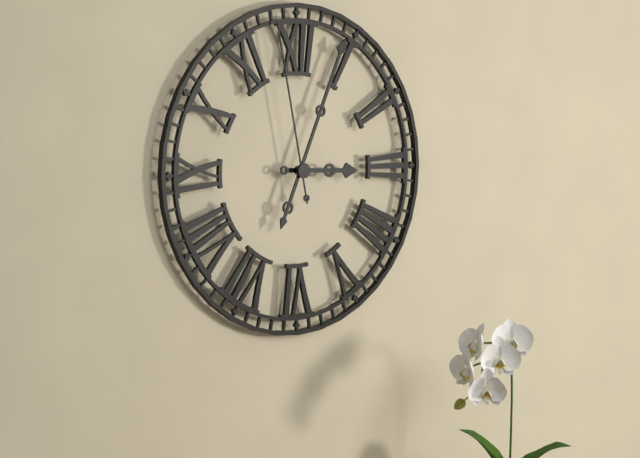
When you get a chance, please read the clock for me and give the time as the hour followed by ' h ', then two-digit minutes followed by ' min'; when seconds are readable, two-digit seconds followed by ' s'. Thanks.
3 h 04 min 58 s
